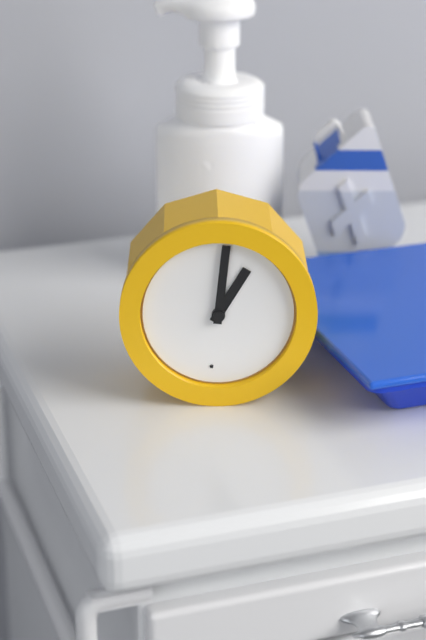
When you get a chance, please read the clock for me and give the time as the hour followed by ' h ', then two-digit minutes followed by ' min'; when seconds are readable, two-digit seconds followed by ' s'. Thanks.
1 h 01 min
